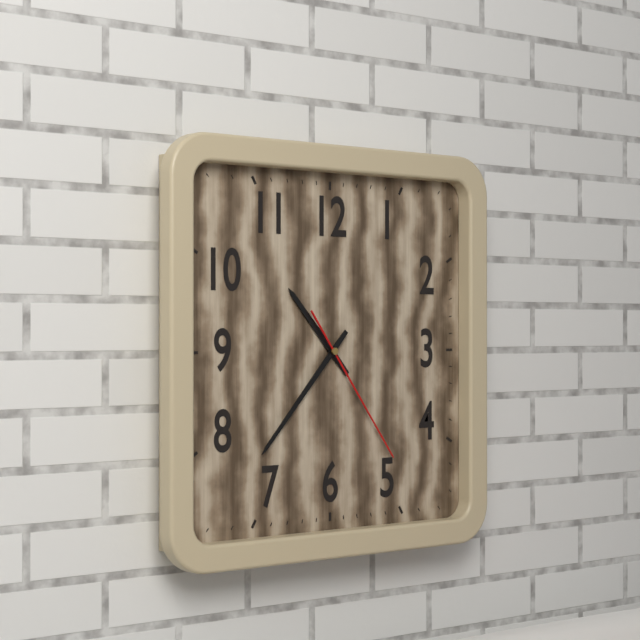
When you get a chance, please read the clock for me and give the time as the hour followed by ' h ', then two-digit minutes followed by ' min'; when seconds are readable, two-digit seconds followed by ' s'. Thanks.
10 h 37 min 24 s
